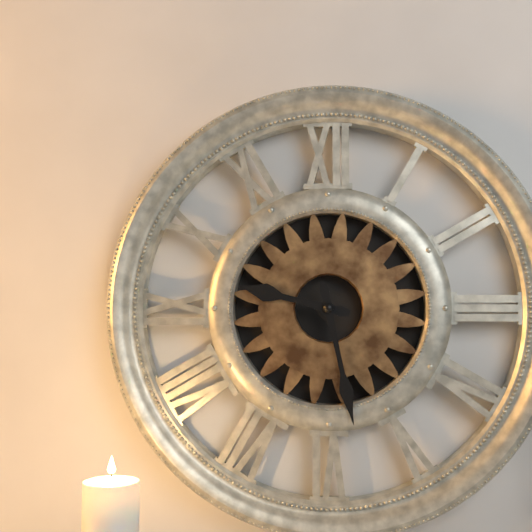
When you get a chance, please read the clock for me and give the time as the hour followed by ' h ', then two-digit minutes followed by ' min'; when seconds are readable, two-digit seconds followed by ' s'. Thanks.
9 h 28 min
